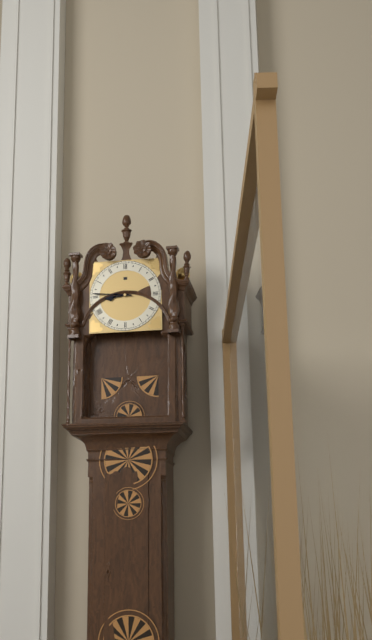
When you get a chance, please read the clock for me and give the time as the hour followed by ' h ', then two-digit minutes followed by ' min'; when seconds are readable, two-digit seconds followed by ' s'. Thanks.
8 h 46 min
